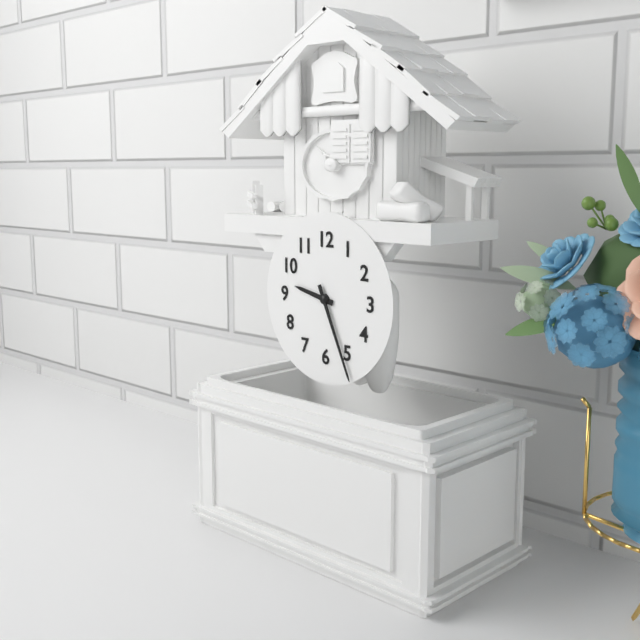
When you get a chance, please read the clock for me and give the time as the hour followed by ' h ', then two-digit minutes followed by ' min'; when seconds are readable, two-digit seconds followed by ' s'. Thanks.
9 h 26 min
